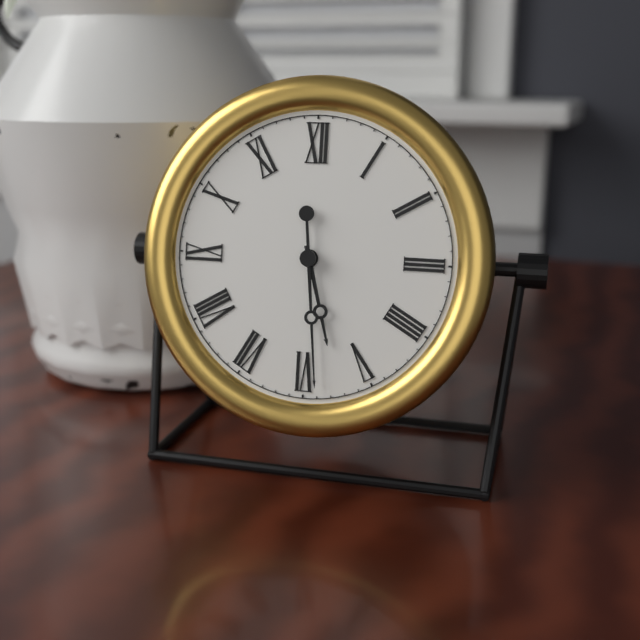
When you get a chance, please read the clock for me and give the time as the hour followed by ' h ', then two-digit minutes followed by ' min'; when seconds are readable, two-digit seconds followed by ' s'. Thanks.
5 h 29 min
